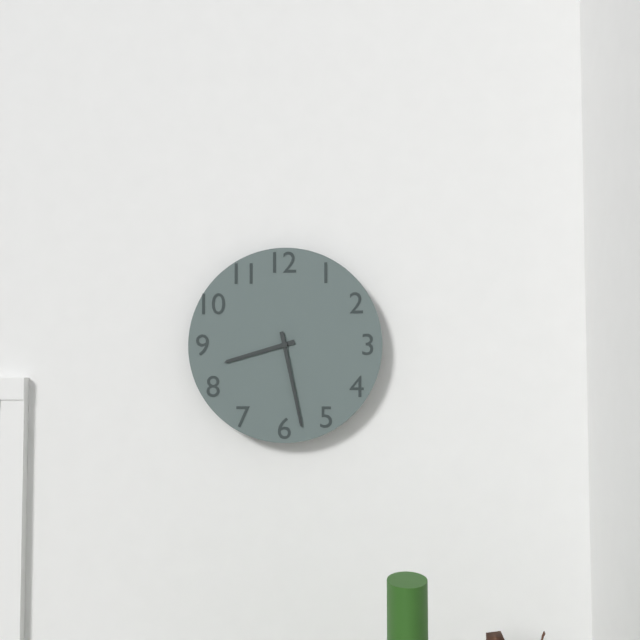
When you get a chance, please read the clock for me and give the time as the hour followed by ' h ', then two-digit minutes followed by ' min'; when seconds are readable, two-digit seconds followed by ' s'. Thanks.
8 h 28 min
